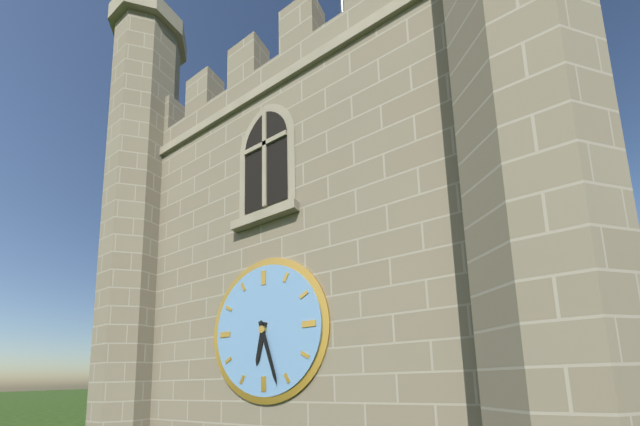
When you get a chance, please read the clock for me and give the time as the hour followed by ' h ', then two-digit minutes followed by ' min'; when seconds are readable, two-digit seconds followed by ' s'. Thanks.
6 h 27 min
